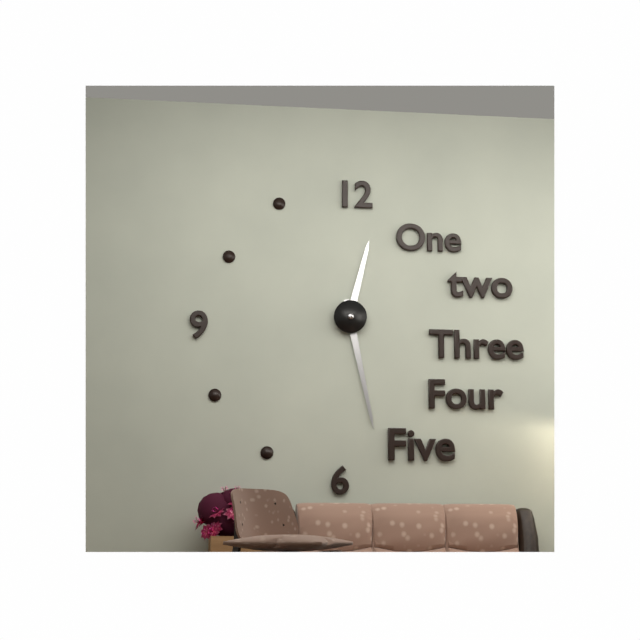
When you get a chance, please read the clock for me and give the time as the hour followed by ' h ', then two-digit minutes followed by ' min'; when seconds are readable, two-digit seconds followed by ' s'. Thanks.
12 h 28 min
